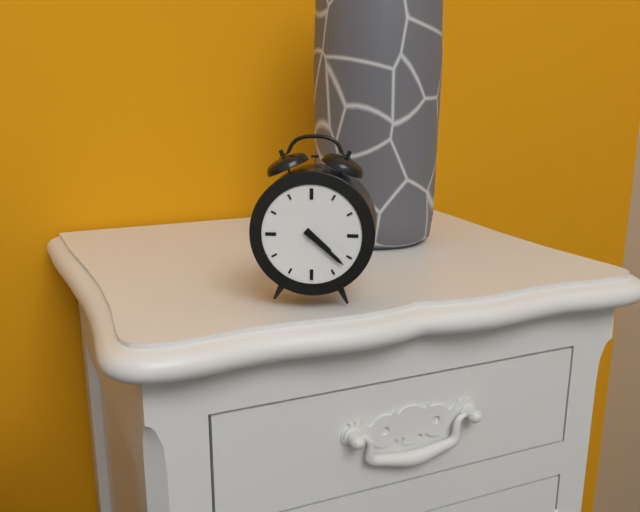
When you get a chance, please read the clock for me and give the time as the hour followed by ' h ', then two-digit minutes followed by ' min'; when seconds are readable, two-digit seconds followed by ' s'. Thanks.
4 h 22 min
